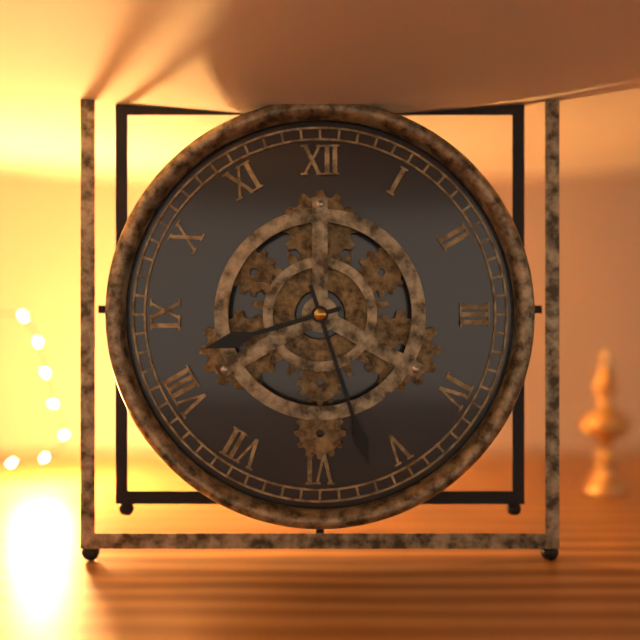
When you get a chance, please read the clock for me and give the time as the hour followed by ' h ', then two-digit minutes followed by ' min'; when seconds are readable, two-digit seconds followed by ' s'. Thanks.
8 h 27 min
